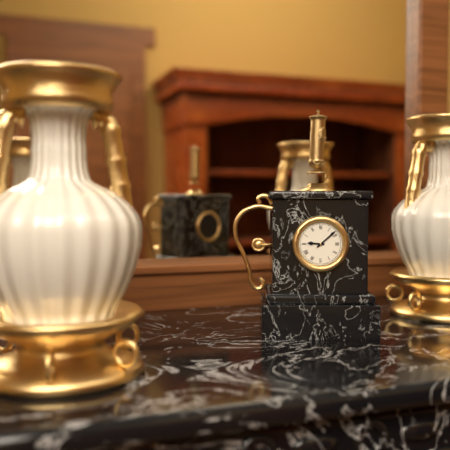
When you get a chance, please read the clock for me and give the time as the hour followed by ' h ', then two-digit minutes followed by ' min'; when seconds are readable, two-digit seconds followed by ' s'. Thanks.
9 h 08 min
